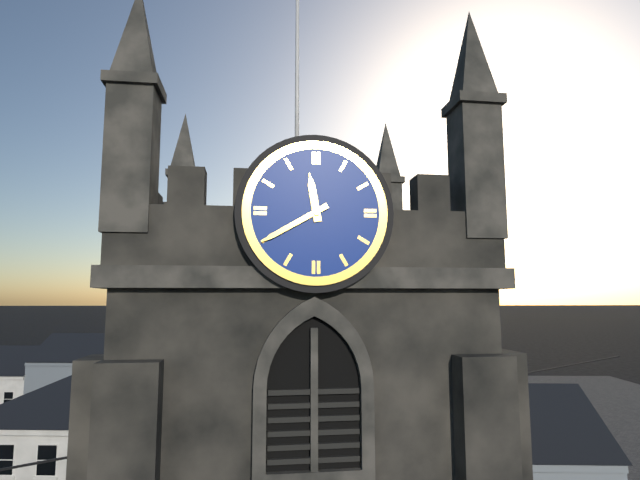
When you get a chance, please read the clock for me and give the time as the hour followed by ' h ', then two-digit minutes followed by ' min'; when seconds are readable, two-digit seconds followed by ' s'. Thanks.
11 h 40 min
